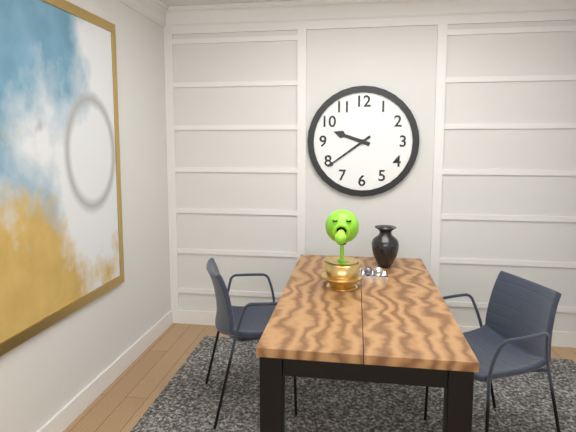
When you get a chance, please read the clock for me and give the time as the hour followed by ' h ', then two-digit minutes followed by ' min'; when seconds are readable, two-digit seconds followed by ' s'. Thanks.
9 h 39 min
